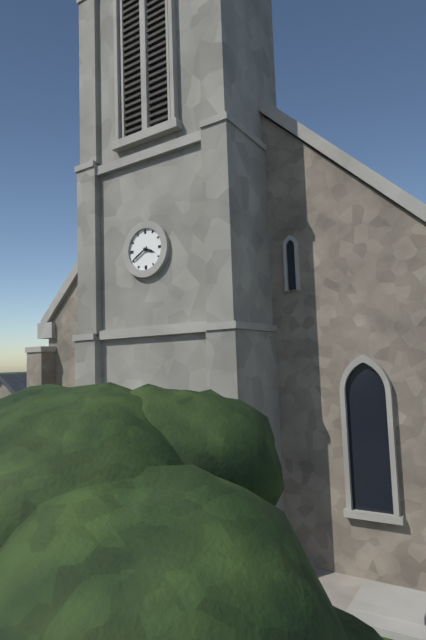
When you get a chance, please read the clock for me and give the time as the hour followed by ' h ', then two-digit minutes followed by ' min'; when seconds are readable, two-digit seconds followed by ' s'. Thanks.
3 h 40 min
